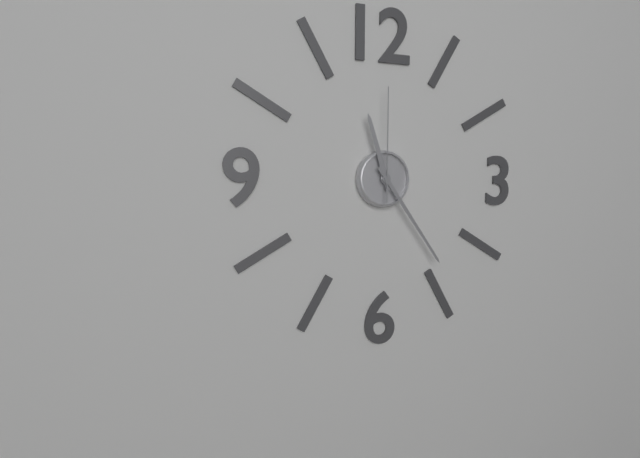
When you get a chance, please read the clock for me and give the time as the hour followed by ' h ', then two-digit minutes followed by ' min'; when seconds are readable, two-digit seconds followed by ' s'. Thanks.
11 h 24 min 00 s
